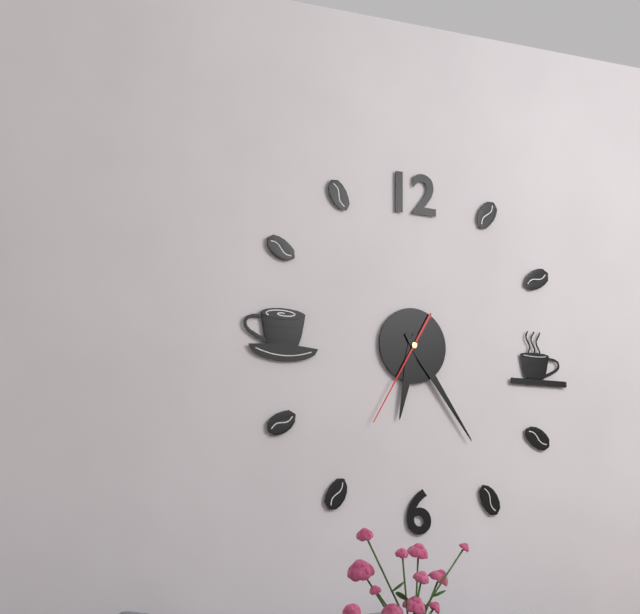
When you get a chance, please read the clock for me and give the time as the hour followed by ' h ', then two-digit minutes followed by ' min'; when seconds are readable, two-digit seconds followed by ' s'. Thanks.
6 h 24 min 35 s
